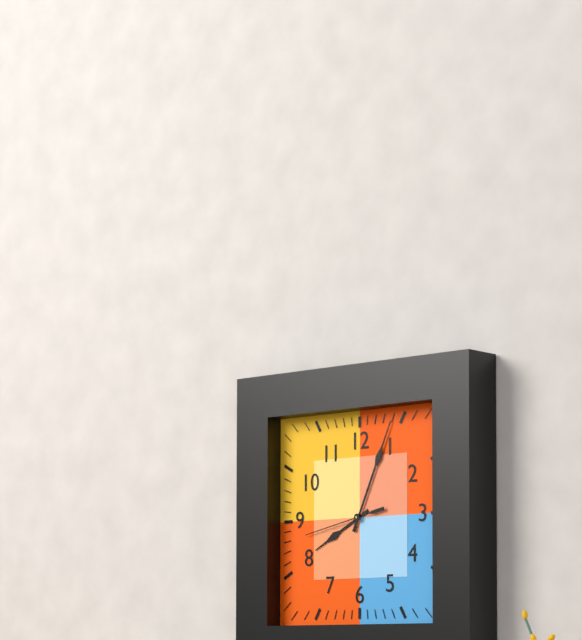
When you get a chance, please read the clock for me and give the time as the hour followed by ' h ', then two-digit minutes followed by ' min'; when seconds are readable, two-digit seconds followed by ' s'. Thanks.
8 h 04 min 43 s
